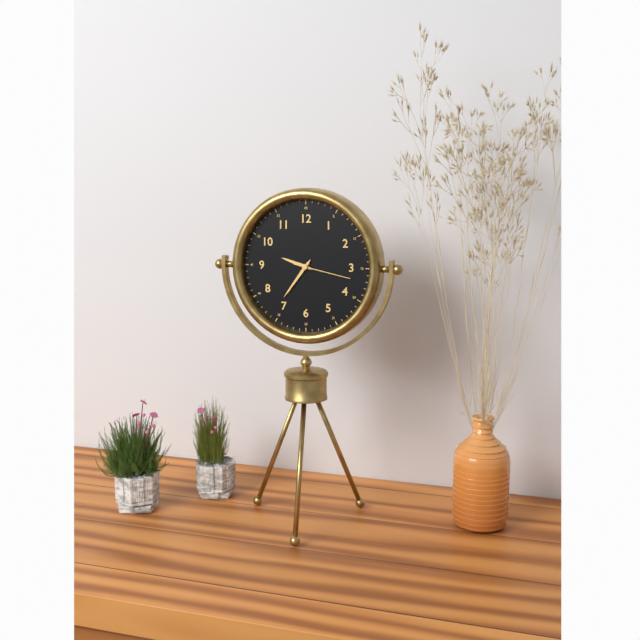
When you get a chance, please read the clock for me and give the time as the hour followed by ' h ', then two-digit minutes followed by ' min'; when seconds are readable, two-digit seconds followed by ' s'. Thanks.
9 h 36 min 17 s
